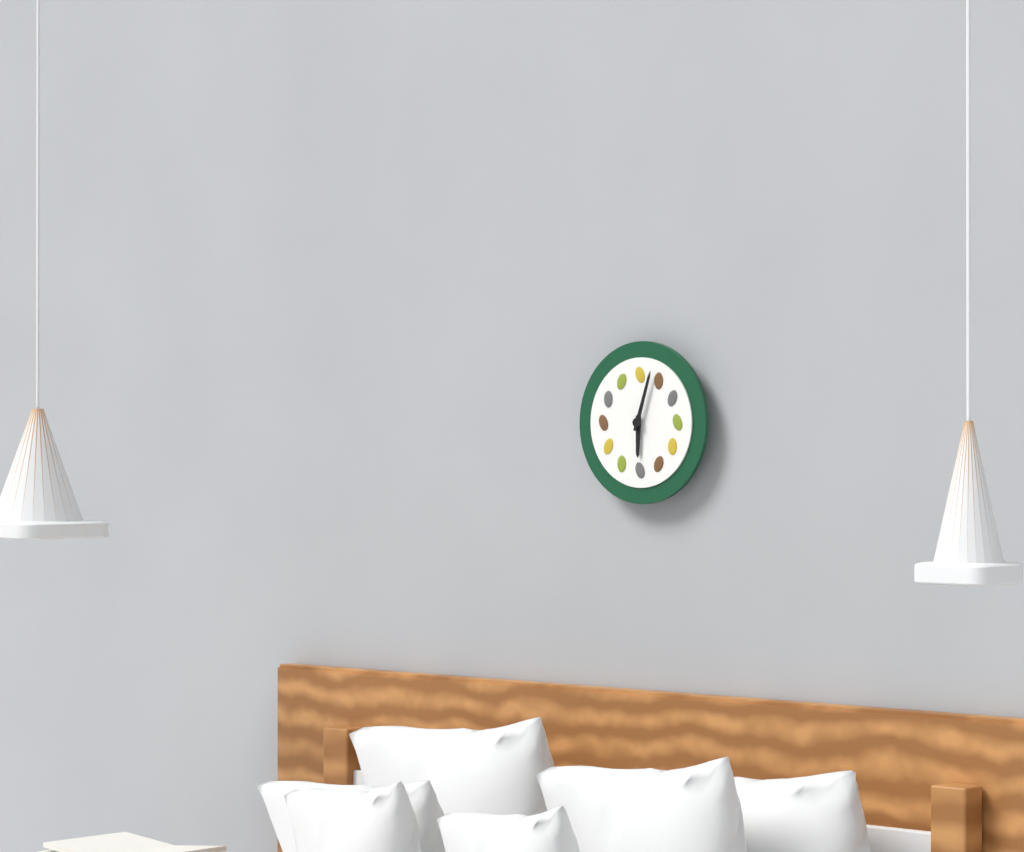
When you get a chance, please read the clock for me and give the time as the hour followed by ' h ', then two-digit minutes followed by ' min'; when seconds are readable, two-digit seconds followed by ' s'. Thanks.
6 h 03 min
